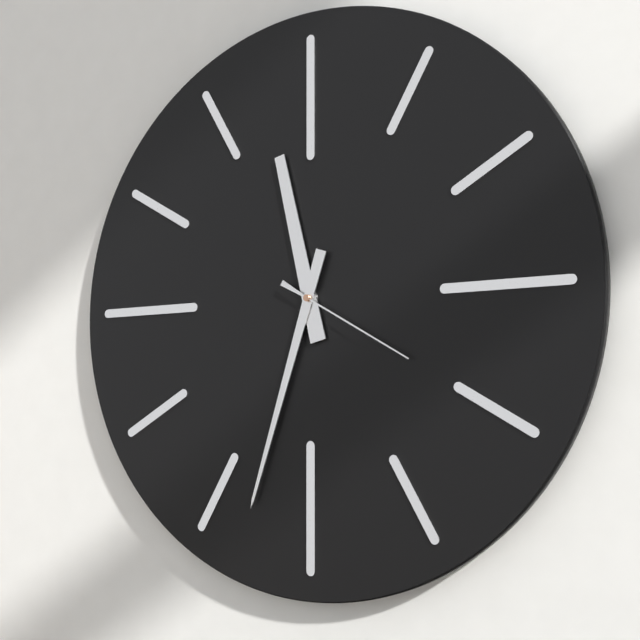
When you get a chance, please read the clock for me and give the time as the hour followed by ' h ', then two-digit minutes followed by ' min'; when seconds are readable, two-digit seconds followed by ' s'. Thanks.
11 h 33 min 20 s
